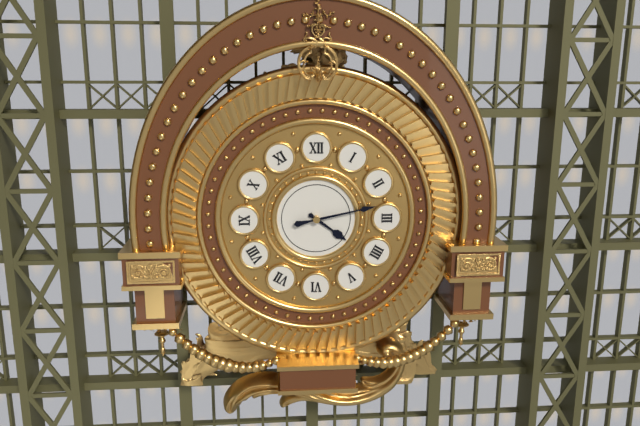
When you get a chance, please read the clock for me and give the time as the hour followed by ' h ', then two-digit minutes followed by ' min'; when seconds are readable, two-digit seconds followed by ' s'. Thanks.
4 h 13 min
